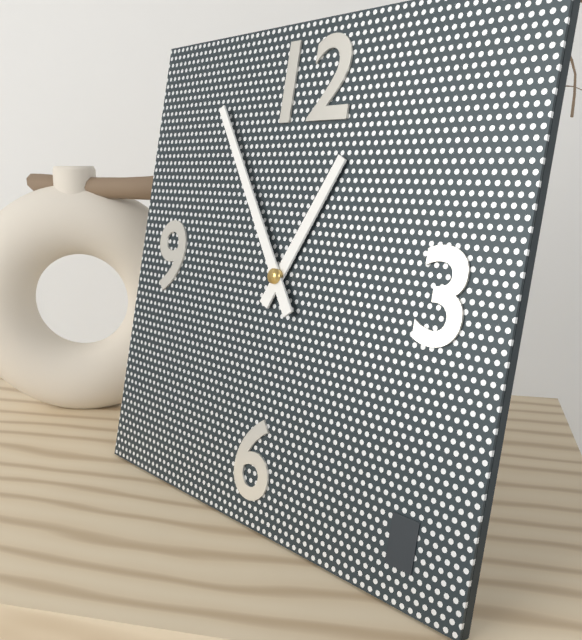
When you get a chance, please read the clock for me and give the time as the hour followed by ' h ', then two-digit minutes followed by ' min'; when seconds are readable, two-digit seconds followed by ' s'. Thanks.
12 h 54 min
